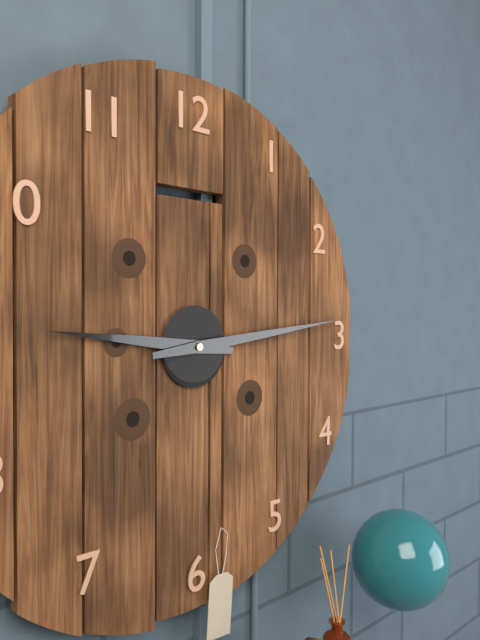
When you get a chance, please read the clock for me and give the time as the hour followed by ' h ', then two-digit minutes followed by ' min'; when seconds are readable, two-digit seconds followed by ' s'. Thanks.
9 h 14 min
